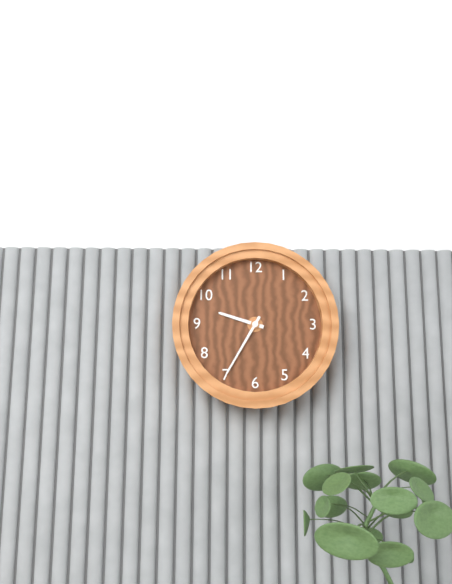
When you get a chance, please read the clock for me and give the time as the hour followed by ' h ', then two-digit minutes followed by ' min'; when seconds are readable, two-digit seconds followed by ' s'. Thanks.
9 h 35 min
